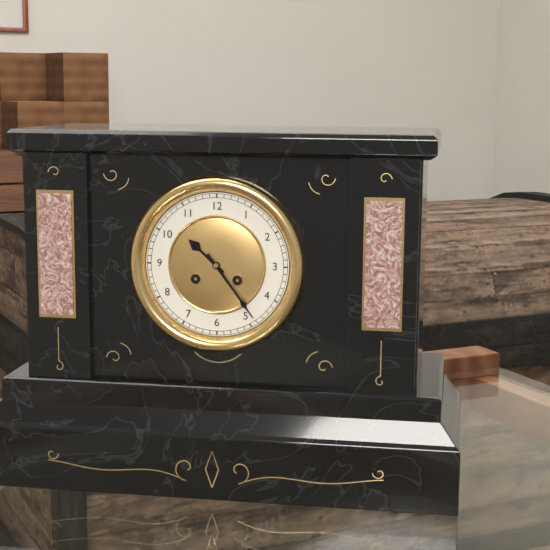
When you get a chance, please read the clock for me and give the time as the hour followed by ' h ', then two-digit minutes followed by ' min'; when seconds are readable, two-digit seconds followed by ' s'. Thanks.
10 h 24 min
